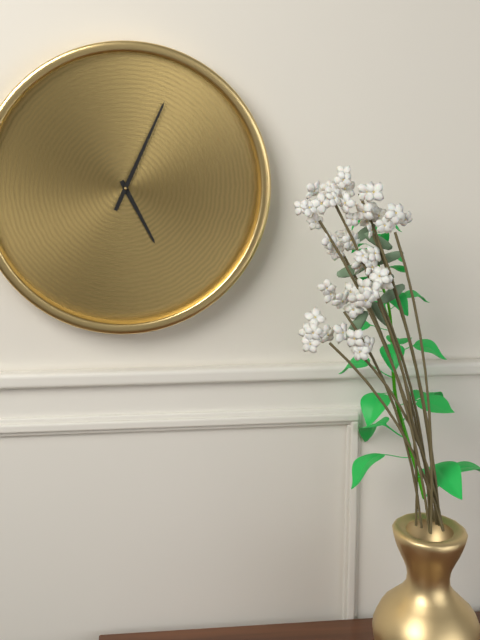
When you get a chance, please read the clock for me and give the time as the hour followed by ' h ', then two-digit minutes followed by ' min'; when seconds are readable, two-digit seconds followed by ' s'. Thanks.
5 h 04 min
